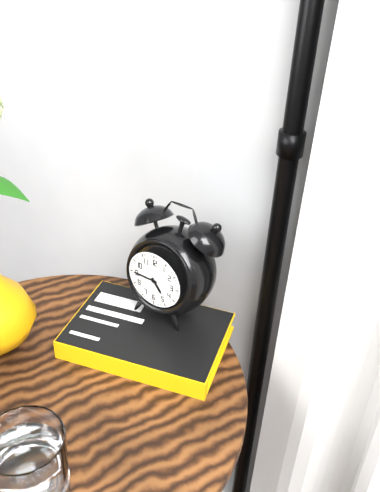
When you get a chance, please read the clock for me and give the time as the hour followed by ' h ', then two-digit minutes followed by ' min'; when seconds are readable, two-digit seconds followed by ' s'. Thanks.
4 h 45 min
